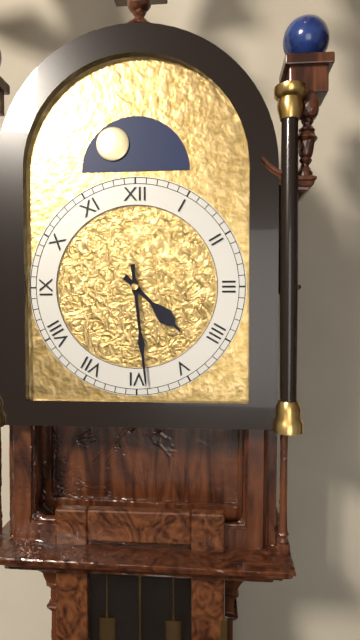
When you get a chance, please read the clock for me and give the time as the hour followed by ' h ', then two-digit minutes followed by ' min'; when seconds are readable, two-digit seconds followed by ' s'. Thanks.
4 h 29 min
